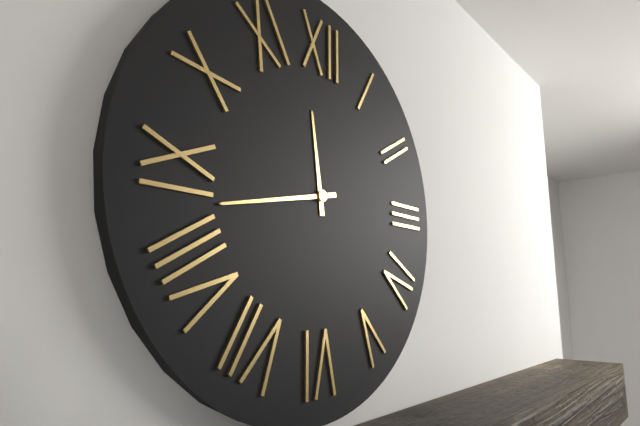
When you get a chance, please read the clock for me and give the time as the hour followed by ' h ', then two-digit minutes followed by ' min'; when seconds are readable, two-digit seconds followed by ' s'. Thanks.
11 h 43 min
